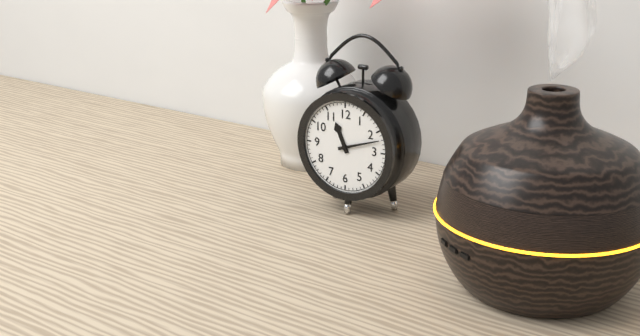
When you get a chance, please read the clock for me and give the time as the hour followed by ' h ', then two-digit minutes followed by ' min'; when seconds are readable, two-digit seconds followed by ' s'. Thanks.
11 h 12 min
